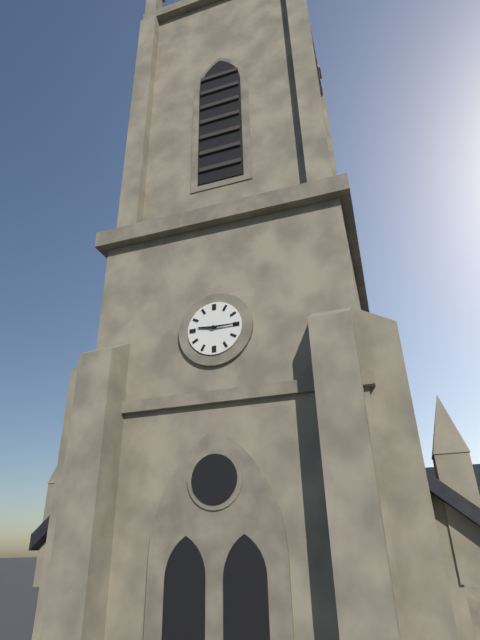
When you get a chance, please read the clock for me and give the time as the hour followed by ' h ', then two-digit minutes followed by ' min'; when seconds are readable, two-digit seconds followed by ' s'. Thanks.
9 h 15 min
